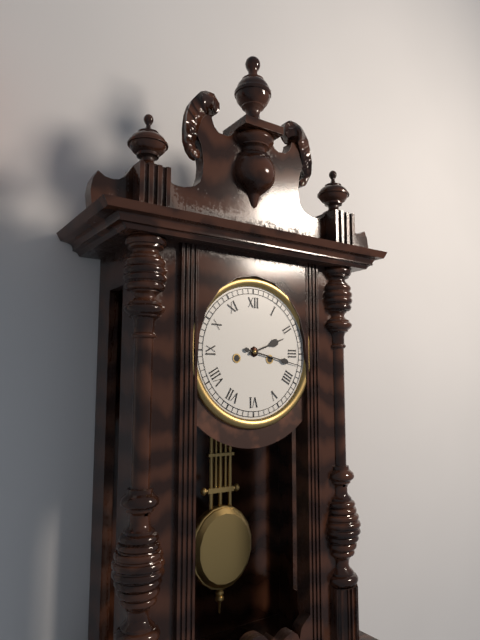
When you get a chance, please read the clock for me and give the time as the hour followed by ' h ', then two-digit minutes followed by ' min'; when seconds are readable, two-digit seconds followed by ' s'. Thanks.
2 h 17 min
